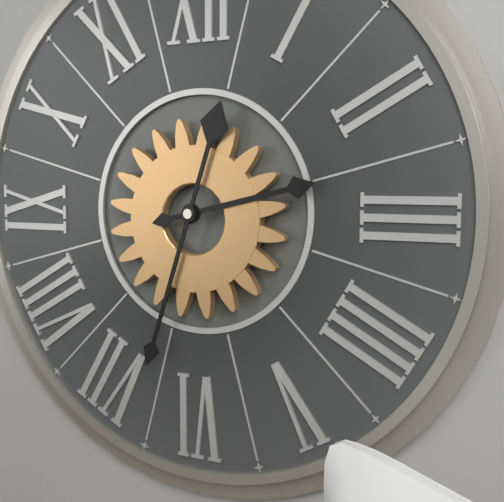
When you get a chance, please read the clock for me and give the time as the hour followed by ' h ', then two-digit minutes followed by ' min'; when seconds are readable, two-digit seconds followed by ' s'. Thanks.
2 h 33 min
